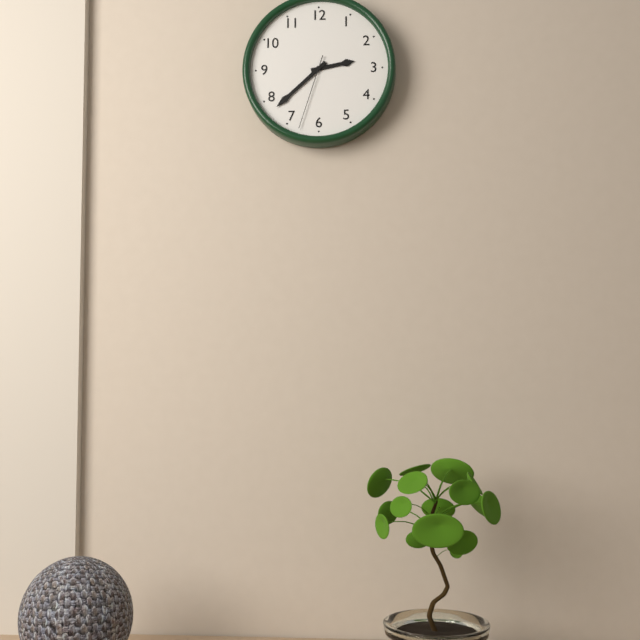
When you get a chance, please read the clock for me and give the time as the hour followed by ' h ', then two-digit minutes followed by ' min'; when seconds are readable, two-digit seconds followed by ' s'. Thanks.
2 h 38 min 33 s
